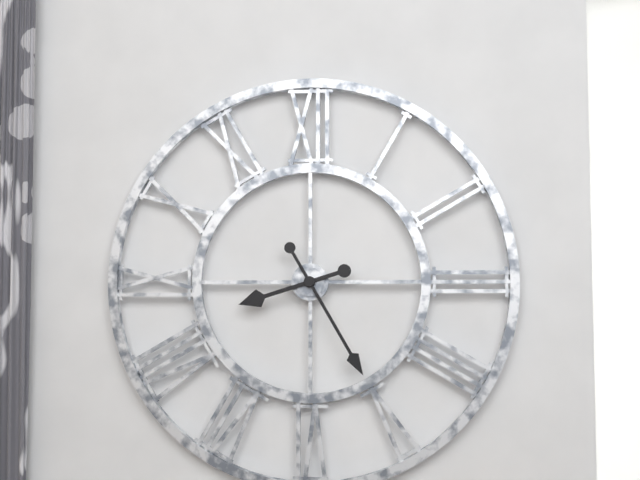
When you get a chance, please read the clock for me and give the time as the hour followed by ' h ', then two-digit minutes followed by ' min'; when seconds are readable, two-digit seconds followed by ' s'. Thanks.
8 h 25 min
